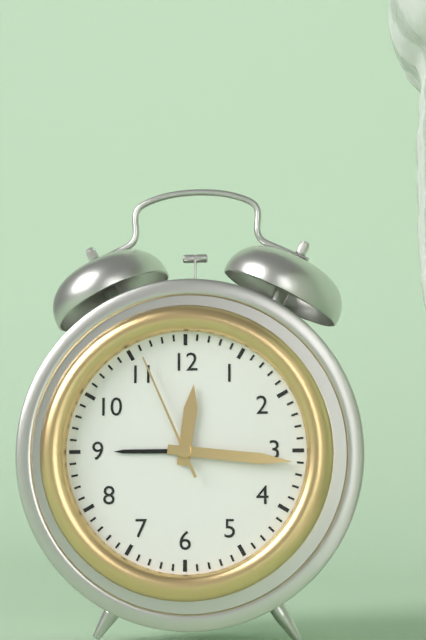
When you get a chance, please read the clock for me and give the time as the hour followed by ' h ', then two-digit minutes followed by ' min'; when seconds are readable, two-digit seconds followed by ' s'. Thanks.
12 h 16 min 56 s
